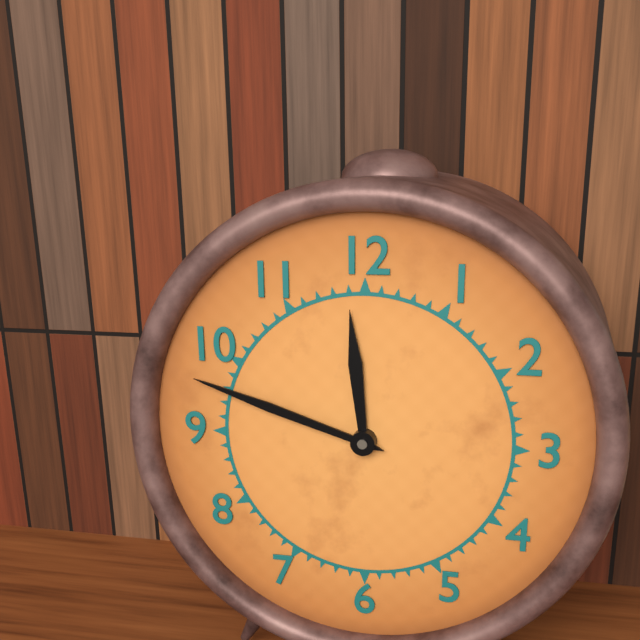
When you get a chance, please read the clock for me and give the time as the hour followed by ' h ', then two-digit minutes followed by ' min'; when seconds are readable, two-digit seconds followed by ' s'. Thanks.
11 h 48 min
